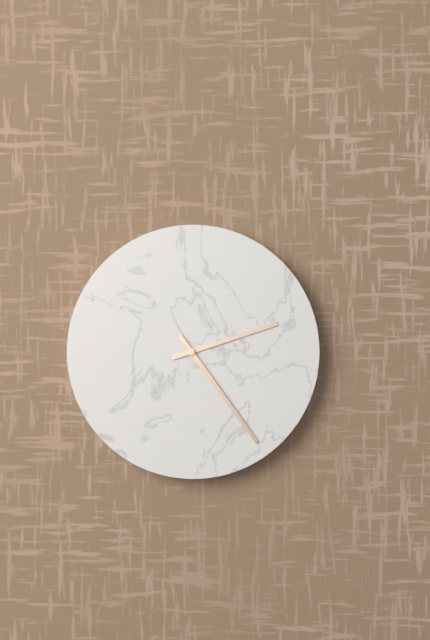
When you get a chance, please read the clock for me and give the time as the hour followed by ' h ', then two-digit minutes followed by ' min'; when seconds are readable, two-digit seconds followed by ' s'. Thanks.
2 h 24 min
